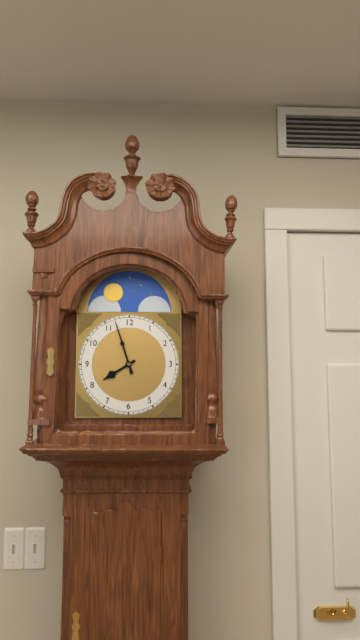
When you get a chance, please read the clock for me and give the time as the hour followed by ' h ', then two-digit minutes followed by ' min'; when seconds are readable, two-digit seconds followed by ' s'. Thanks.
7 h 57 min
